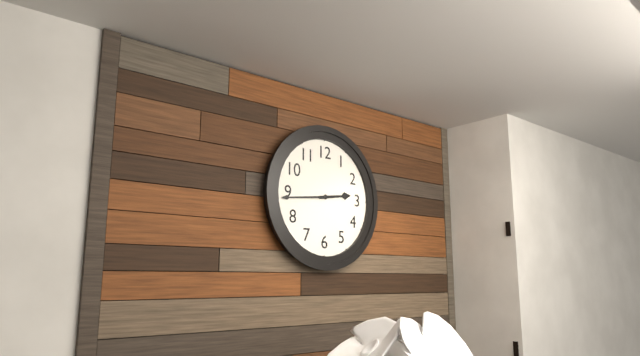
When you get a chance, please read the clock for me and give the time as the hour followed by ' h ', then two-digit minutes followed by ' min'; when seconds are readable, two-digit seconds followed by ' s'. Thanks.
2 h 44 min
